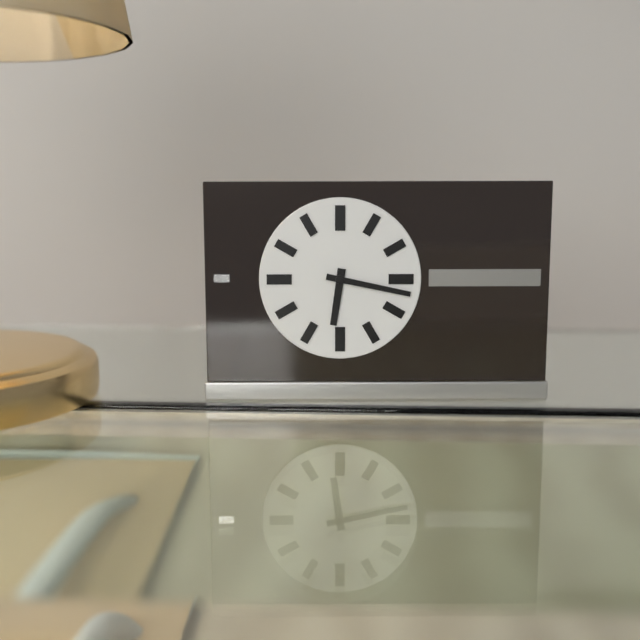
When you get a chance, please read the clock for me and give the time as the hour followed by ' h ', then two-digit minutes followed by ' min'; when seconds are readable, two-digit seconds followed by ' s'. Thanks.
6 h 17 min
